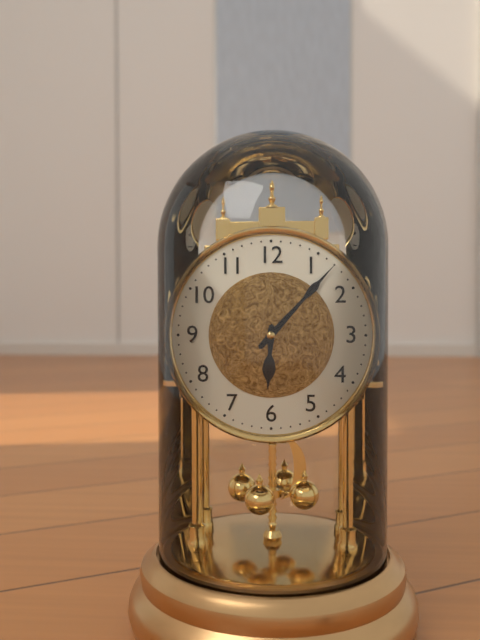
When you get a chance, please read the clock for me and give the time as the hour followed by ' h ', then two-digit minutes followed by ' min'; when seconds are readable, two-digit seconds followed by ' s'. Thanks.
6 h 07 min
